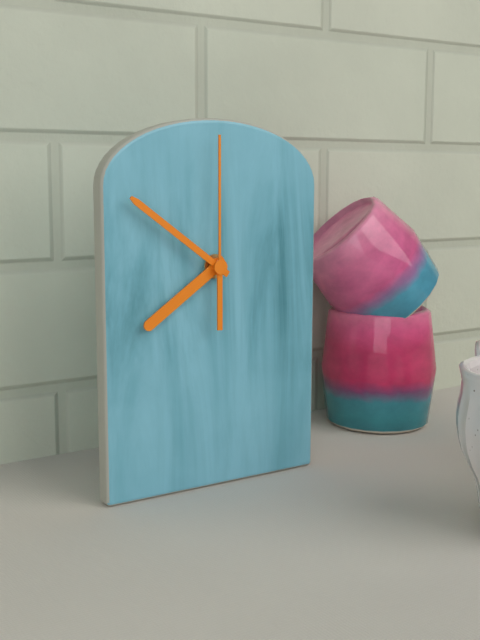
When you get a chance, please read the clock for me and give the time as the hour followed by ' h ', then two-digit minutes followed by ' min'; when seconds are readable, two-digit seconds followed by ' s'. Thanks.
7 h 51 min 00 s
